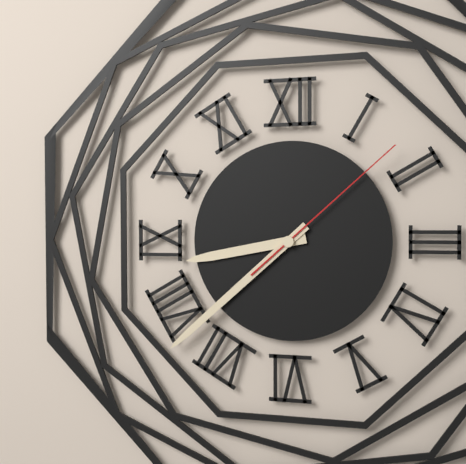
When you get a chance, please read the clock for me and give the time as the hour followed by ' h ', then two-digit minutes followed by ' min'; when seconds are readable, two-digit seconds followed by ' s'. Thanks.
8 h 38 min 08 s
